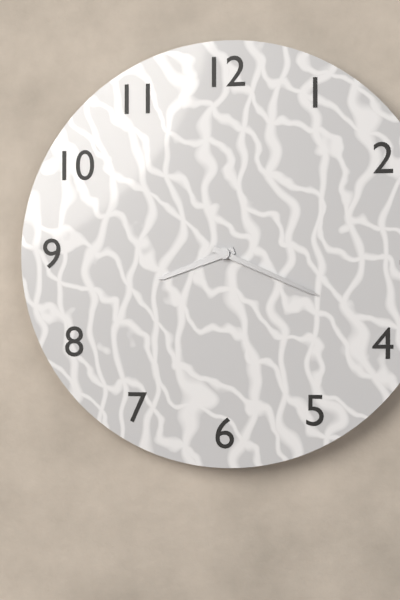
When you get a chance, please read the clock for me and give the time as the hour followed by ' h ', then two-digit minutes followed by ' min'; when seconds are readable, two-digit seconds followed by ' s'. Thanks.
8 h 19 min
